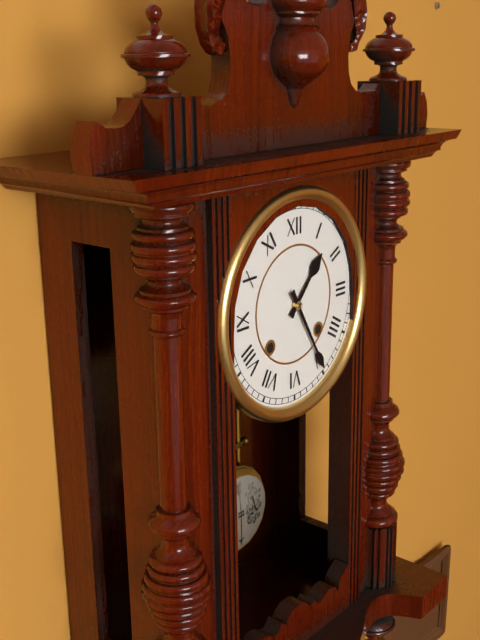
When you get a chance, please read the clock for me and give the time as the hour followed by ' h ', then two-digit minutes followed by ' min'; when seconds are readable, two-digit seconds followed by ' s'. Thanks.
1 h 25 min
